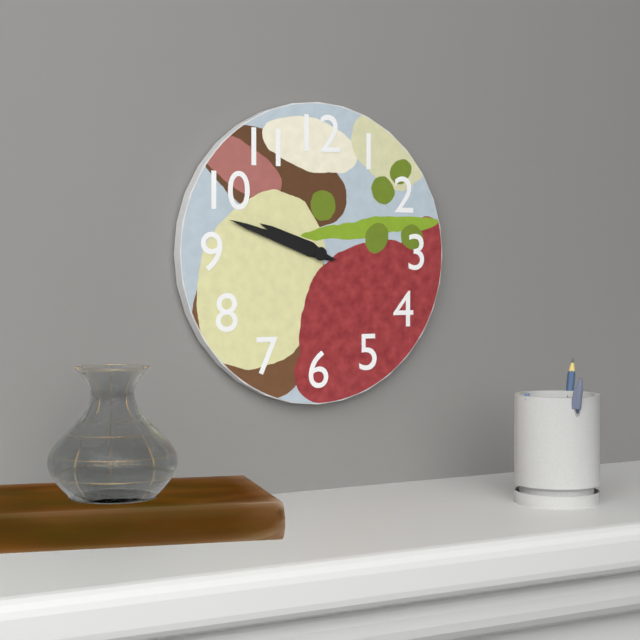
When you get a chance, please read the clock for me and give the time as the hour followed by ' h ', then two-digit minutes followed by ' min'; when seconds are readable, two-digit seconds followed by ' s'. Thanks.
9 h 48 min
